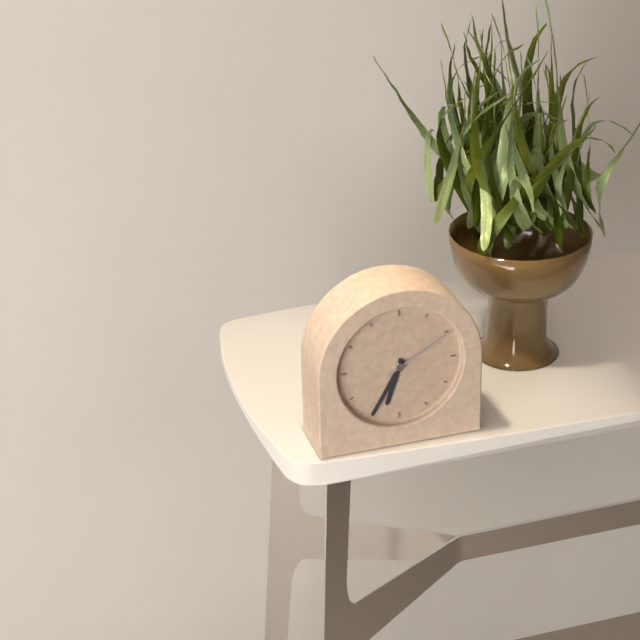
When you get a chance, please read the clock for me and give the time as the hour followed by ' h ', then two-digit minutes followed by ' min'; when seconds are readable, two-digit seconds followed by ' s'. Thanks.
6 h 35 min 10 s
